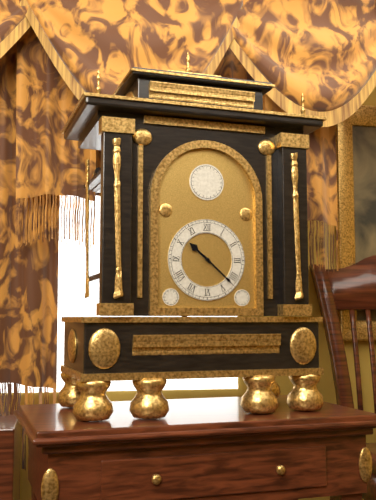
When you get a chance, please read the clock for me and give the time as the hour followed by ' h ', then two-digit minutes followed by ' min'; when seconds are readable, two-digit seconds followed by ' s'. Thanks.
10 h 22 min
